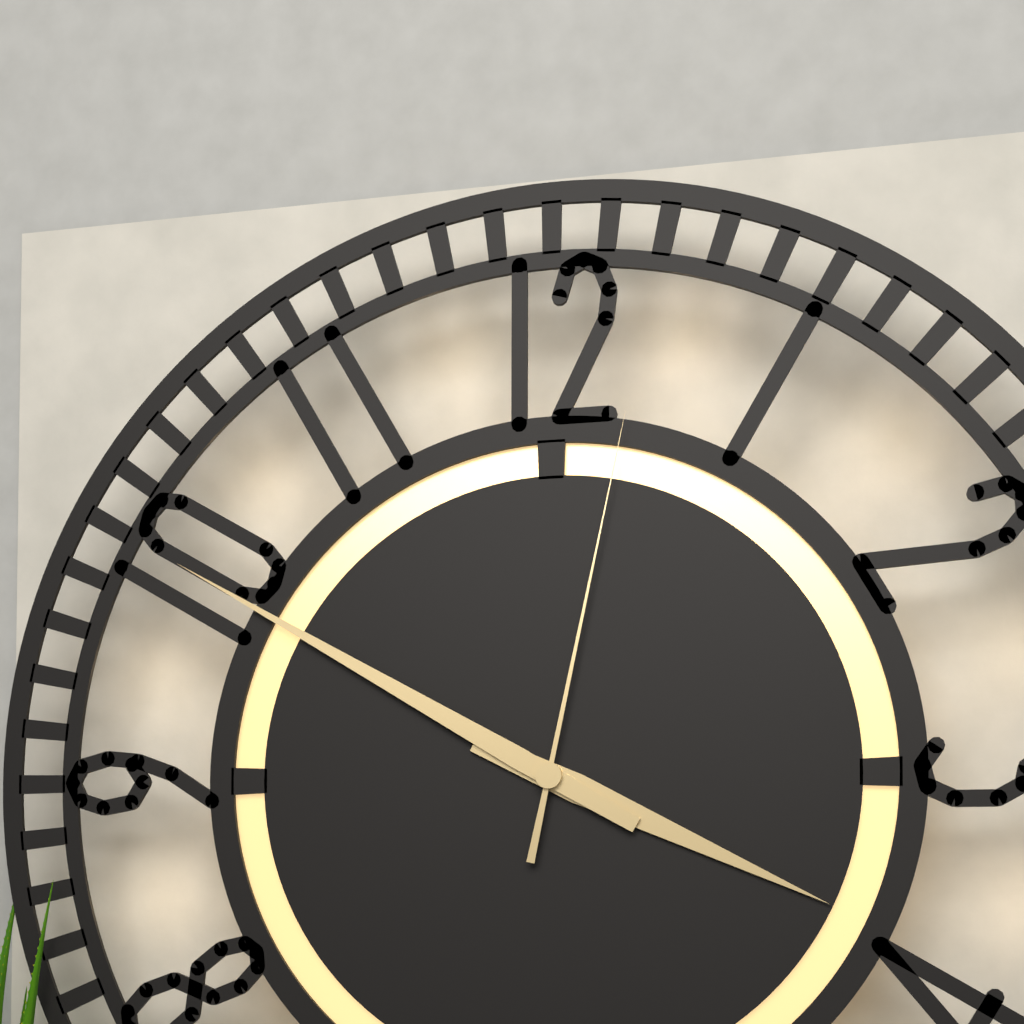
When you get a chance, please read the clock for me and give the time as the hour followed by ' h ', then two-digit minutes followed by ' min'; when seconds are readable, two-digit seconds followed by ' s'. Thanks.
3 h 50 min 02 s
